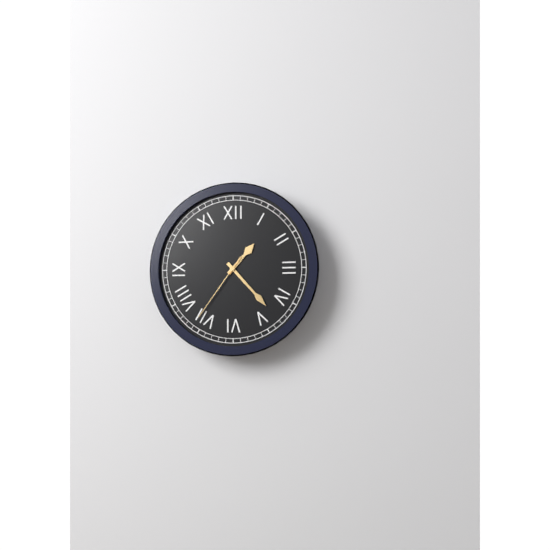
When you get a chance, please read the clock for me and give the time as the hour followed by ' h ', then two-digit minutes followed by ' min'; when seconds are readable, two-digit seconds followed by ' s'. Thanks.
1 h 23 min 36 s
